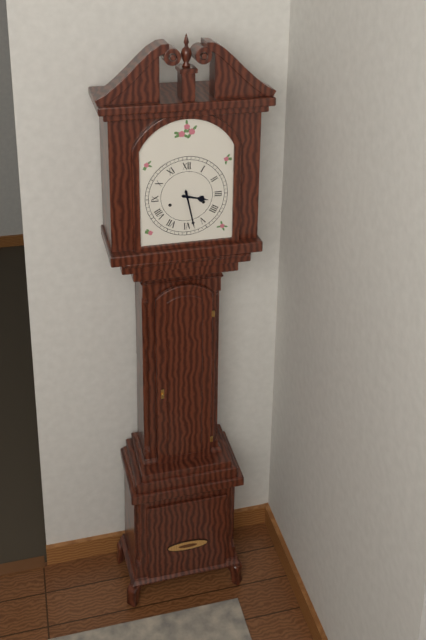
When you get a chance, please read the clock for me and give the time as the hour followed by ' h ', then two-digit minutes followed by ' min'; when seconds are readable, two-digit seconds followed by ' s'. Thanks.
3 h 28 min
